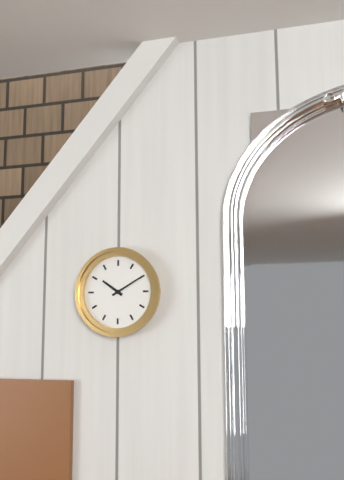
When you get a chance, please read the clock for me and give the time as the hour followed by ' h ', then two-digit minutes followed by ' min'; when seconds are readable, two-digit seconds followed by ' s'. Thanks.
10 h 10 min
